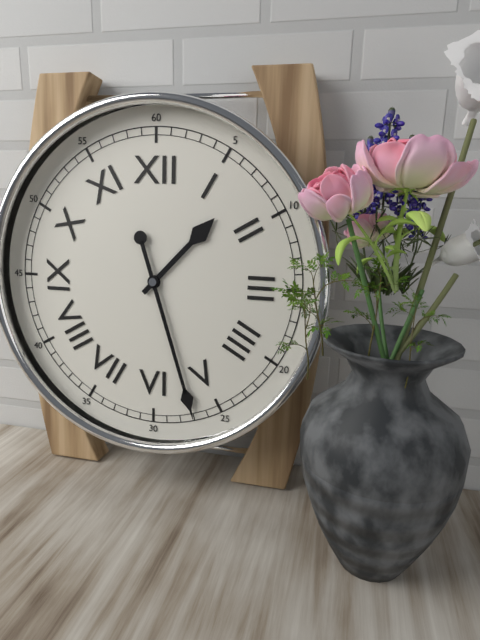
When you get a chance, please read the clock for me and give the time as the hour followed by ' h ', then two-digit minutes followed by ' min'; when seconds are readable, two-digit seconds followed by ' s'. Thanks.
1 h 27 min
